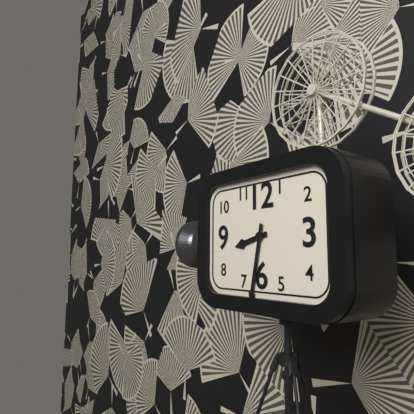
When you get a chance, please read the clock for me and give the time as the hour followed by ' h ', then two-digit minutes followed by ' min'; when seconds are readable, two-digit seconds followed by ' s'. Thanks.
8 h 32 min
